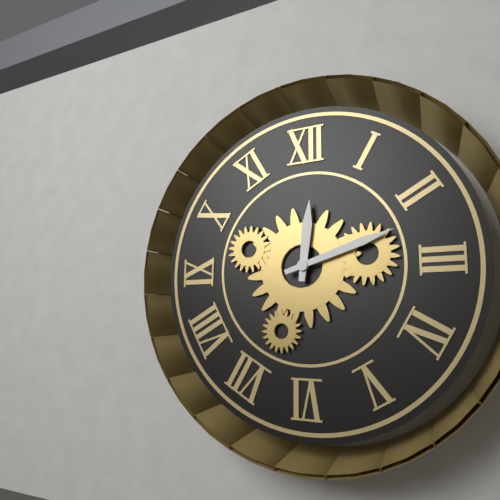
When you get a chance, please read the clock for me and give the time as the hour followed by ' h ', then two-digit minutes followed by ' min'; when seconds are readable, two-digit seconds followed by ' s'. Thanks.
12 h 12 min
